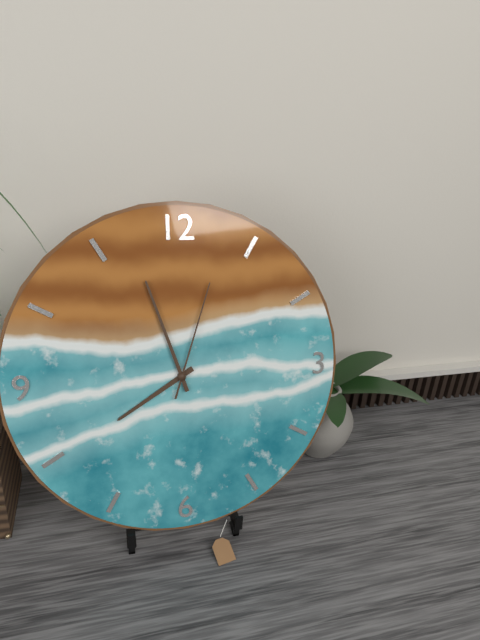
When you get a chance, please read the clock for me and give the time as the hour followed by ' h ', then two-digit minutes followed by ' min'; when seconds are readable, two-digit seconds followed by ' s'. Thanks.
7 h 57 min 03 s
